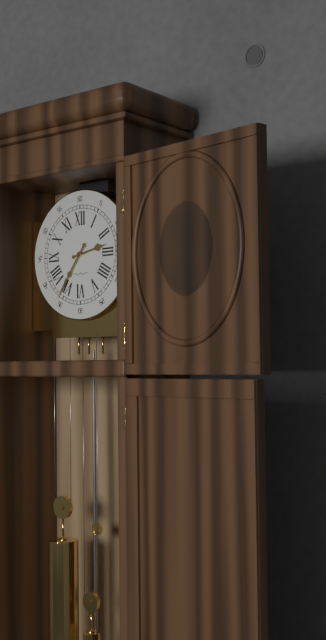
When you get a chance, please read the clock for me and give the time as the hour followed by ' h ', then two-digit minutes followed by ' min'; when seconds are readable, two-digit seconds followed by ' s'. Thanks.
2 h 36 min
